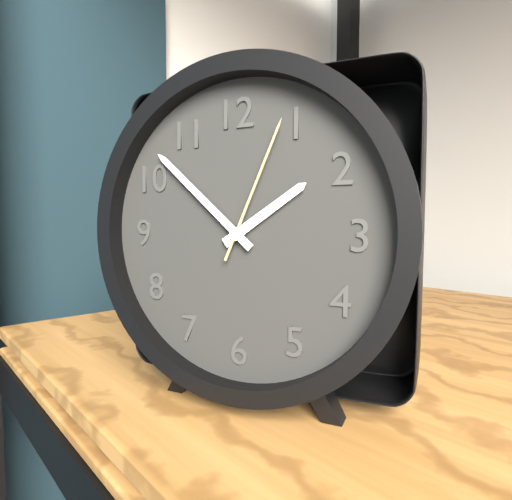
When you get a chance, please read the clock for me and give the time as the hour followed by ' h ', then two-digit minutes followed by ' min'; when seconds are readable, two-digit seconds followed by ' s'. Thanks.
1 h 52 min 04 s
